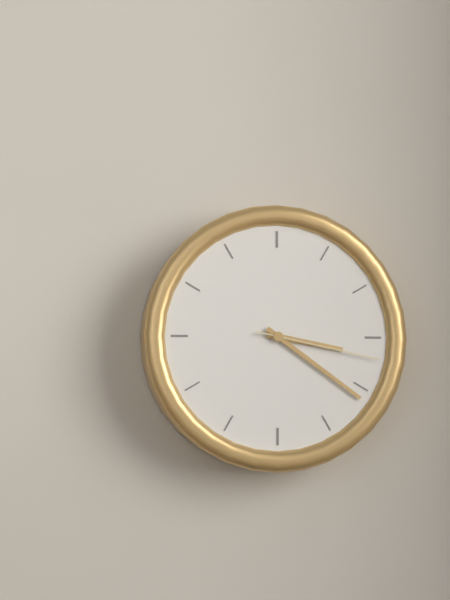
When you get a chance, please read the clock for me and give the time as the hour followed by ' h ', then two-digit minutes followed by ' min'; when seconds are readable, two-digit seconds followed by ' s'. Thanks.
3 h 21 min 17 s
